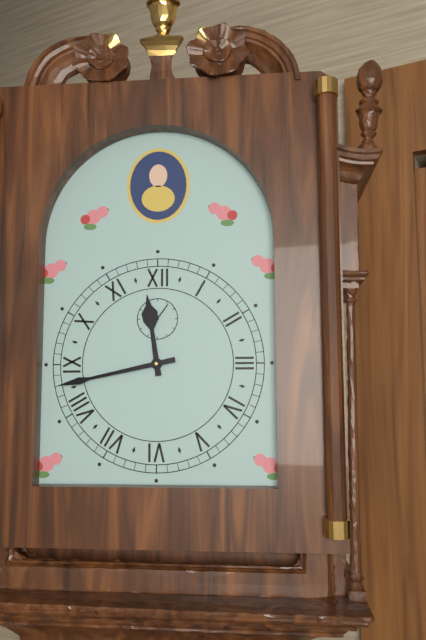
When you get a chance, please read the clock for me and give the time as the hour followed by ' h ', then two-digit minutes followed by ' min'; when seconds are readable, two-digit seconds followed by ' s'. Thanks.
11 h 43 min
